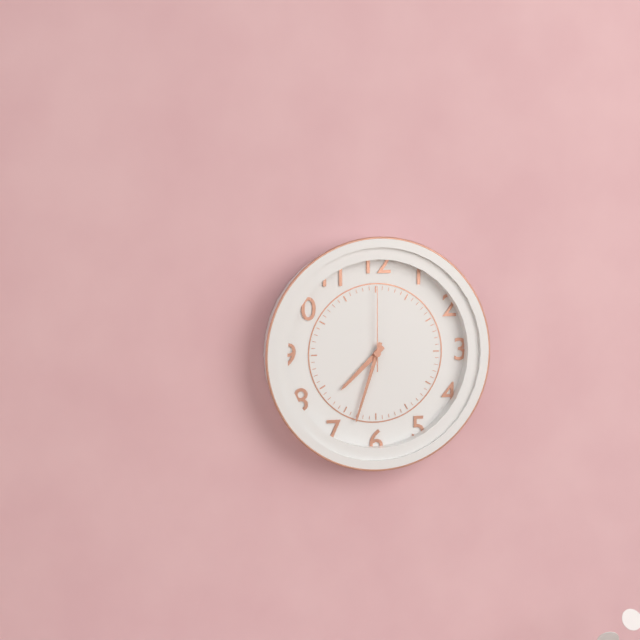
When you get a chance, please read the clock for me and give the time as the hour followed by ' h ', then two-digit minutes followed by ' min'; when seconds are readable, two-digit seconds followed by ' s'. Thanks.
7 h 33 min 00 s
